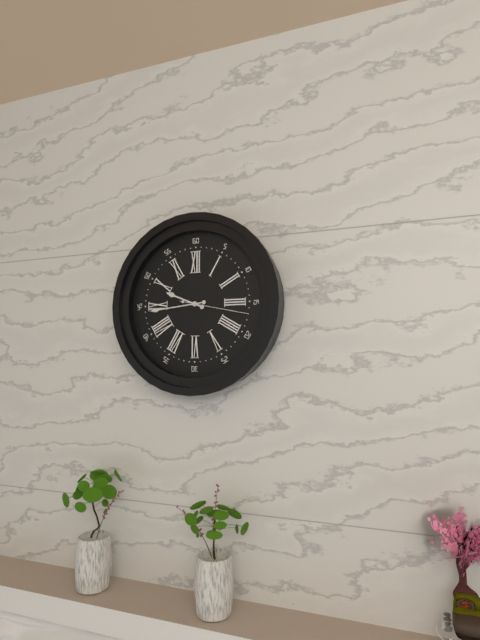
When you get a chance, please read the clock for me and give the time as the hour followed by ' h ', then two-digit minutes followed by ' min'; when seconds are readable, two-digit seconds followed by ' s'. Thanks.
9 h 44 min 17 s
